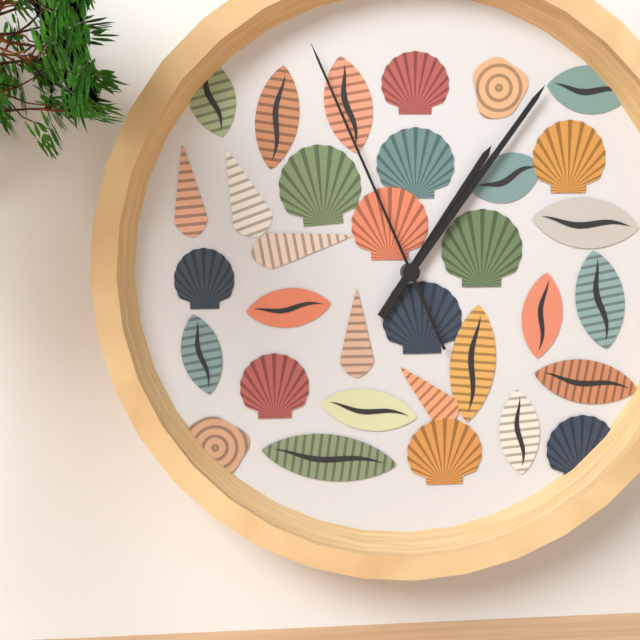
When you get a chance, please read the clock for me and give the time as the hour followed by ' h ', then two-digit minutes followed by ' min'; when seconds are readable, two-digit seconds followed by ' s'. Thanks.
1 h 06 min 56 s
